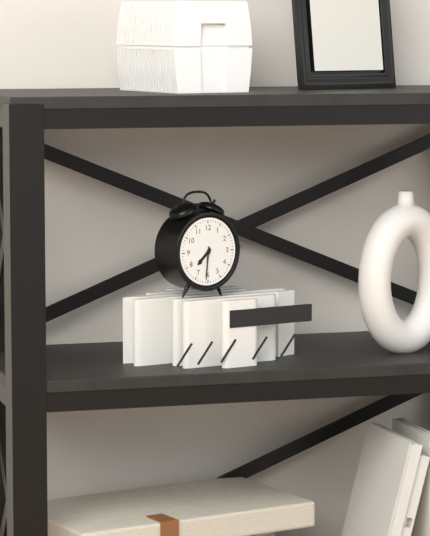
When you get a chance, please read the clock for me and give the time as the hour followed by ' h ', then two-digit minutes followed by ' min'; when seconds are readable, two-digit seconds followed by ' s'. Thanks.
7 h 31 min
